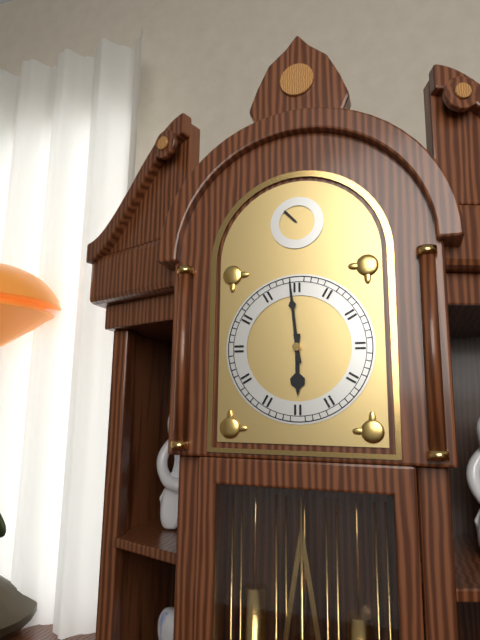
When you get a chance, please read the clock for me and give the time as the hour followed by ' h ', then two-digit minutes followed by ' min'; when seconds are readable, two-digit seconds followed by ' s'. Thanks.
5 h 59 min
